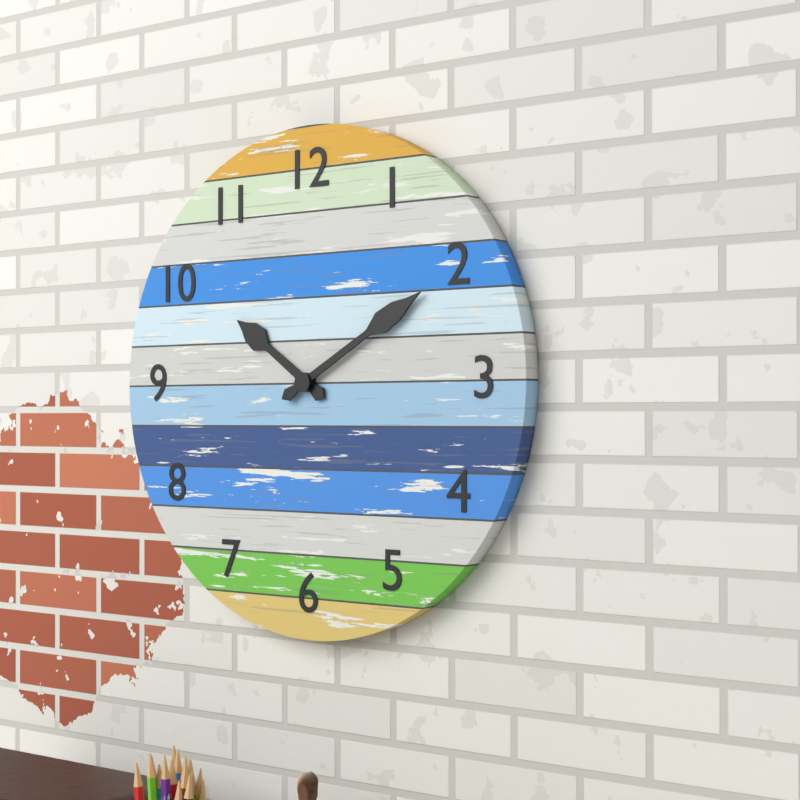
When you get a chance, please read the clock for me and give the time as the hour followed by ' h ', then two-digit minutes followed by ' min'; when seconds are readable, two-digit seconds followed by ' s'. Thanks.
10 h 10 min
